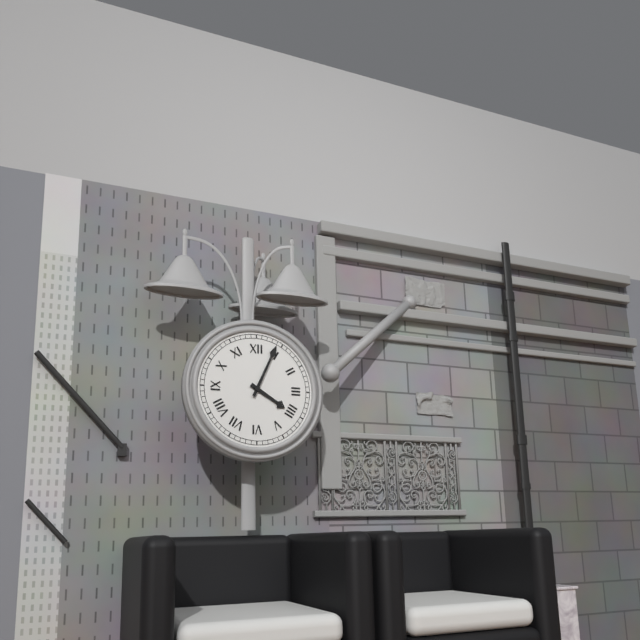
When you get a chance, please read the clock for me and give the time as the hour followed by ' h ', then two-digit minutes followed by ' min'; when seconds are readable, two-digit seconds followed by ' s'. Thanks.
4 h 04 min
